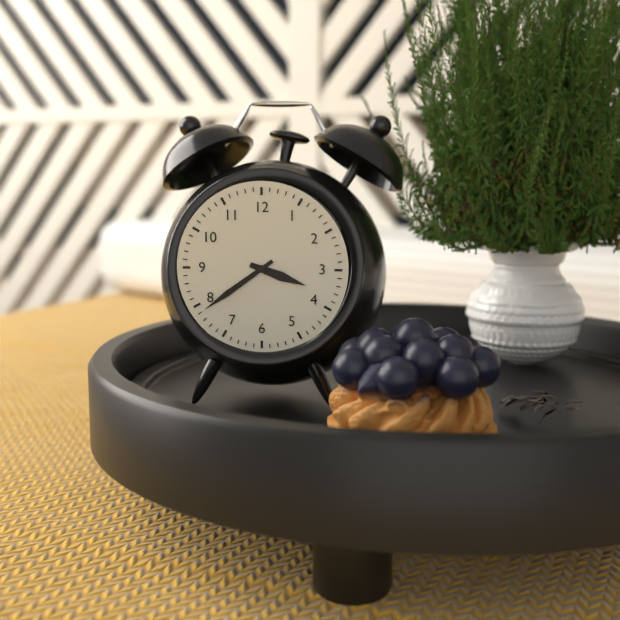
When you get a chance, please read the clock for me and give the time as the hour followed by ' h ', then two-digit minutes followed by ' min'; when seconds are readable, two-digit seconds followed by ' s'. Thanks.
3 h 39 min
